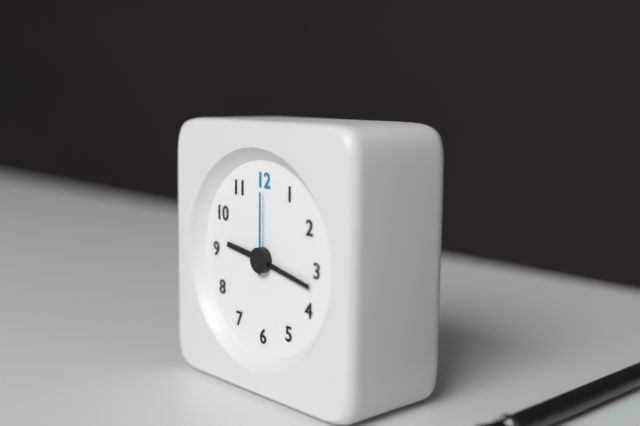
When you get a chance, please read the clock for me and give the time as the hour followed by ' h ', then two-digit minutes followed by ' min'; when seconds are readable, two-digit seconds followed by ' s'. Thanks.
9 h 17 min 00 s
